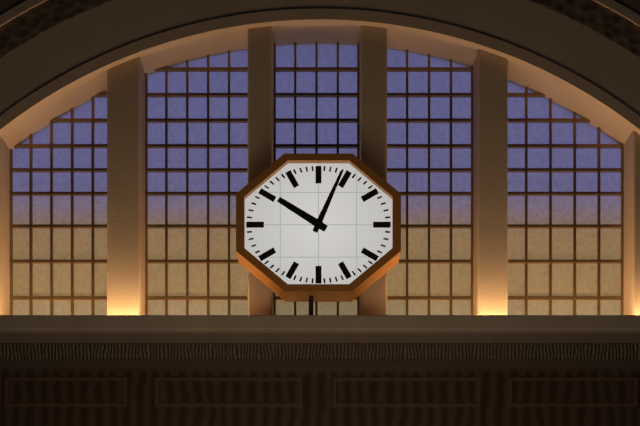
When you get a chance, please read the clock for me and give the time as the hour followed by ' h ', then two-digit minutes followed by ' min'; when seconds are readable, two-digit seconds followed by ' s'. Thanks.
10 h 04 min
